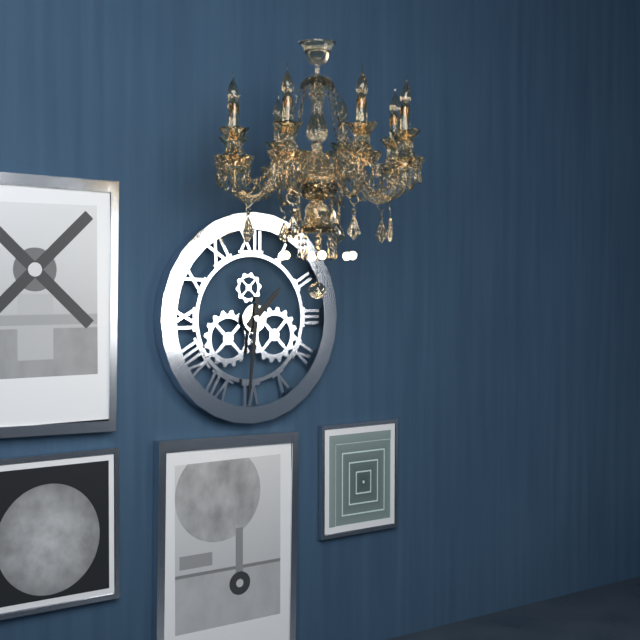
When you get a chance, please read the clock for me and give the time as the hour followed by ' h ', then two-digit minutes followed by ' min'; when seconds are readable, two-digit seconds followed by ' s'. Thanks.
1 h 31 min
